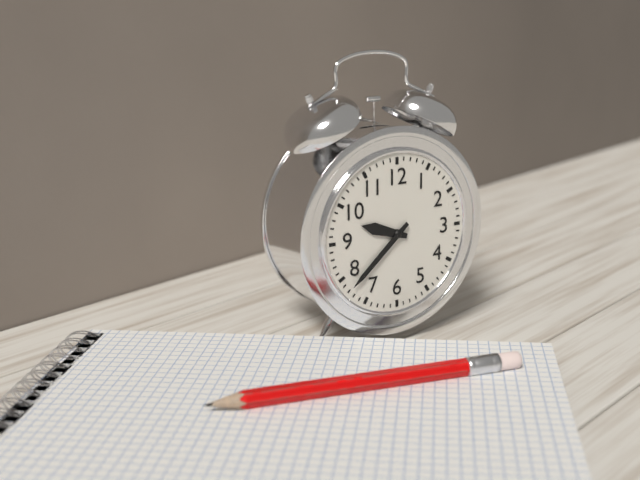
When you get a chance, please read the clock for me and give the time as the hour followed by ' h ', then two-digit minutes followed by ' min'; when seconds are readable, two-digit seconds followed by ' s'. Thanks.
9 h 38 min
